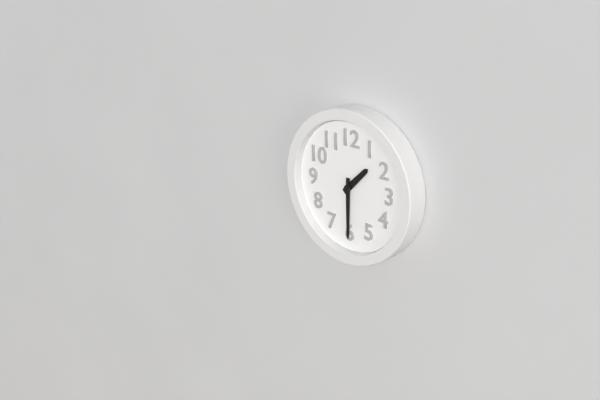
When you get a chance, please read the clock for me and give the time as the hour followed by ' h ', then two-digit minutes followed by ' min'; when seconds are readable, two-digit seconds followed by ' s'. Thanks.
1 h 30 min
